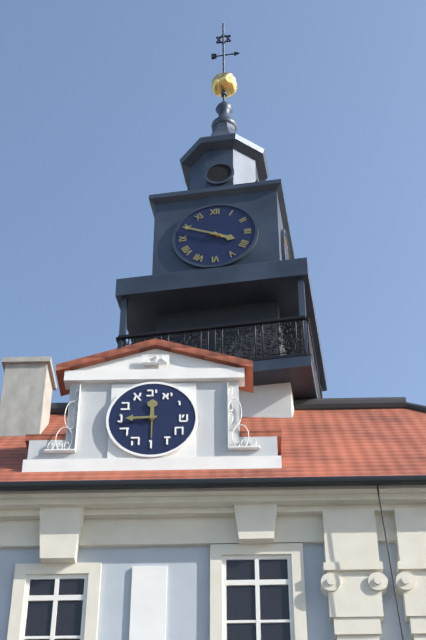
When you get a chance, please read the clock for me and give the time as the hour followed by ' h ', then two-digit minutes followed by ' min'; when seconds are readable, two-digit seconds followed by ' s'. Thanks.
3 h 49 min
